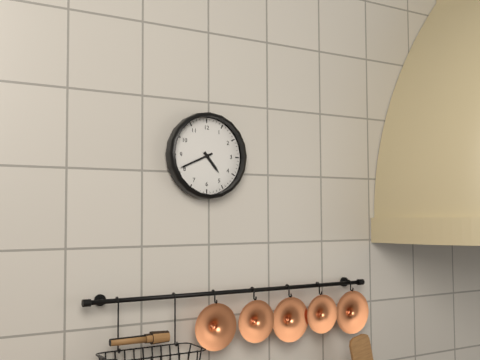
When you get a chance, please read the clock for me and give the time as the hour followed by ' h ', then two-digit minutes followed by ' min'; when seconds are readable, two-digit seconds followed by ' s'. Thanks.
4 h 41 min
